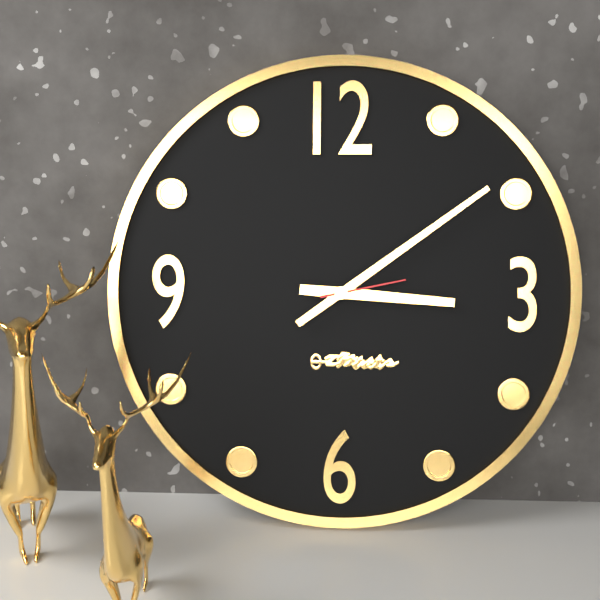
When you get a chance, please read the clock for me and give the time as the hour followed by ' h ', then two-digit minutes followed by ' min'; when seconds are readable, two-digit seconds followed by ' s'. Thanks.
3 h 09 min 13 s
